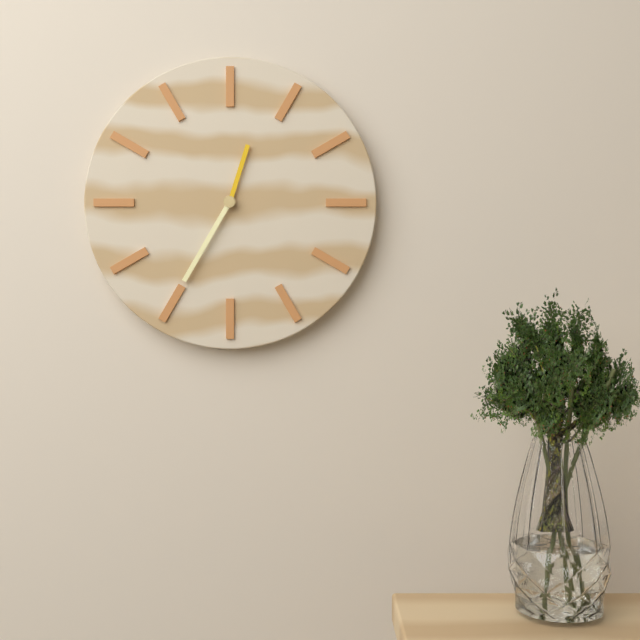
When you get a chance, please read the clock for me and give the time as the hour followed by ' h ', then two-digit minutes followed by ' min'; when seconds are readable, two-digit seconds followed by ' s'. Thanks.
12 h 35 min
